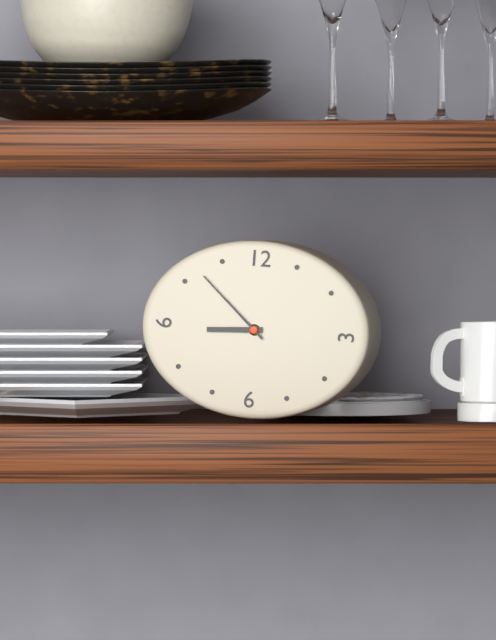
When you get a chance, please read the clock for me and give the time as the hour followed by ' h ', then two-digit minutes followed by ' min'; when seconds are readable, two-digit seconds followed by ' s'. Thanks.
8 h 52 min
